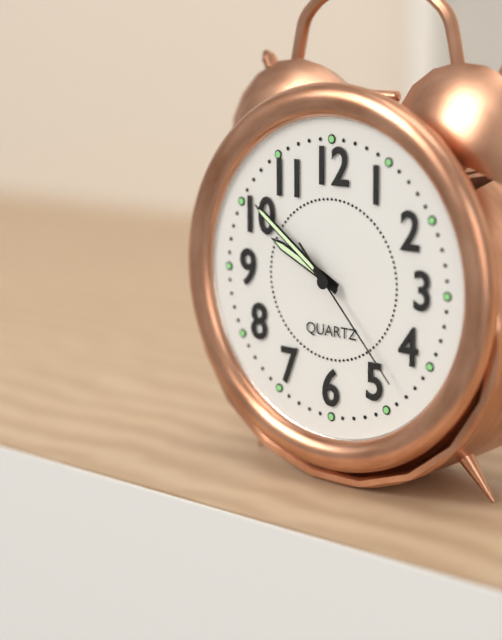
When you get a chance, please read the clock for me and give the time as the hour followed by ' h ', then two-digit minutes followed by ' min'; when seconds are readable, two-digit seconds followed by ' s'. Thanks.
9 h 51 min 23 s
